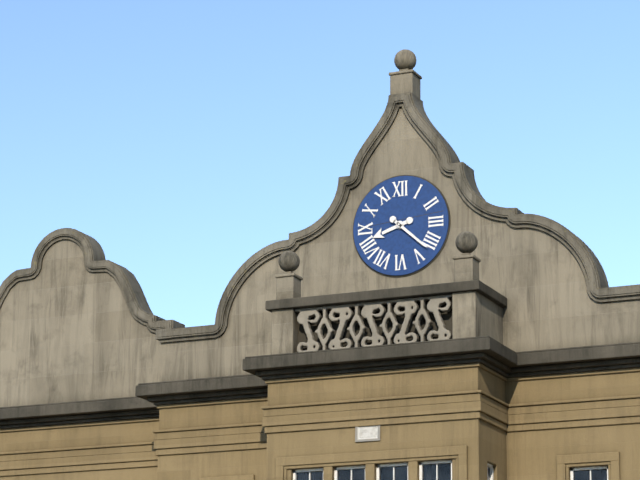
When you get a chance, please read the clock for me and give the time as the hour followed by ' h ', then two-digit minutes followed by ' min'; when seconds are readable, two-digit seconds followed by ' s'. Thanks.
8 h 22 min
